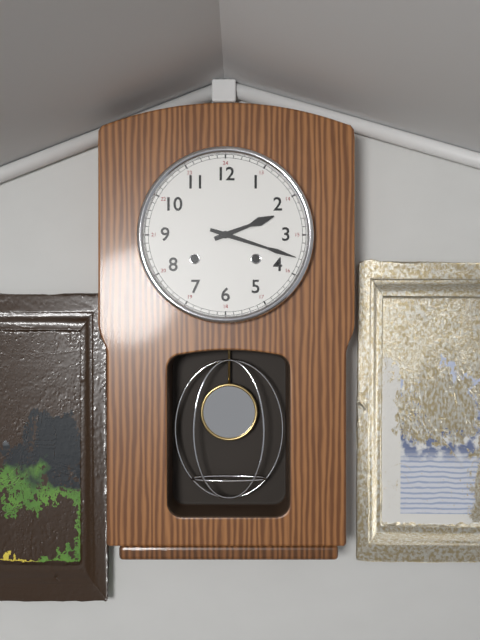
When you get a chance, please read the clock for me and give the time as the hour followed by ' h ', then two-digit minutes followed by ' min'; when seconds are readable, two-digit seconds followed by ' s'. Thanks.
2 h 18 min
